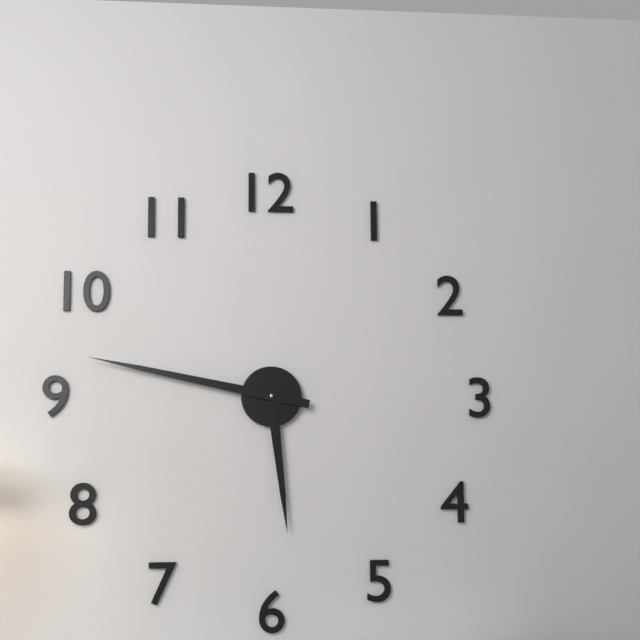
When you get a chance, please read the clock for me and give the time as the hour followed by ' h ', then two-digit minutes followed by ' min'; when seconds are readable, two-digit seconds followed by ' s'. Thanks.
5 h 47 min
